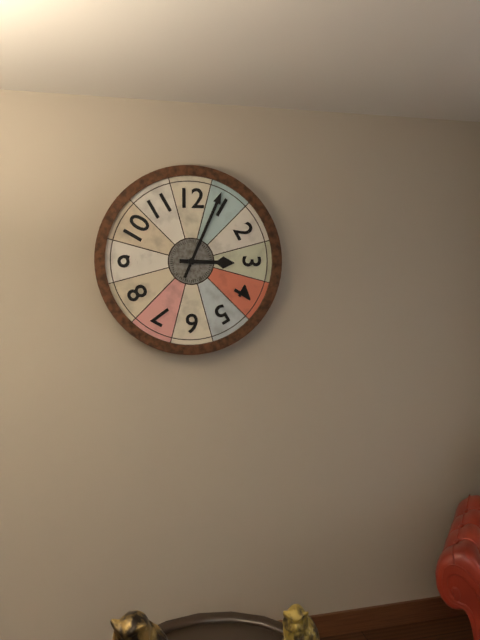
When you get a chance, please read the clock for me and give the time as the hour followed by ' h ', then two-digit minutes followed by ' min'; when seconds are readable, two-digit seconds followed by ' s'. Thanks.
3 h 04 min
